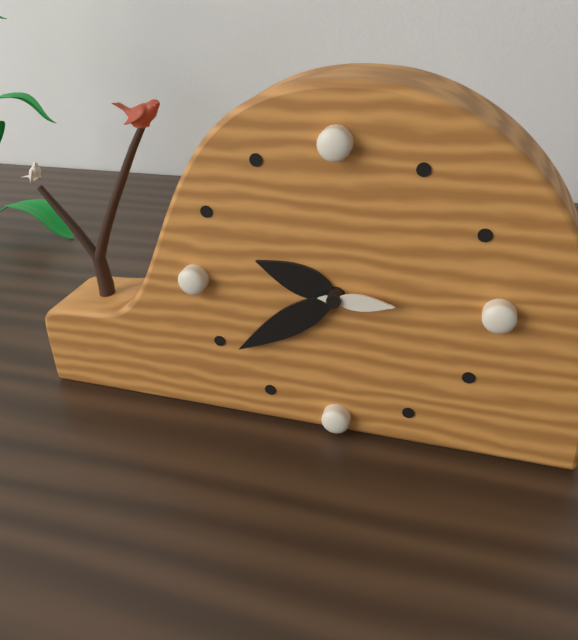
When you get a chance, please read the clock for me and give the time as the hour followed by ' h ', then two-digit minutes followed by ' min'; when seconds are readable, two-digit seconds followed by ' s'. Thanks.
9 h 39 min 15 s
